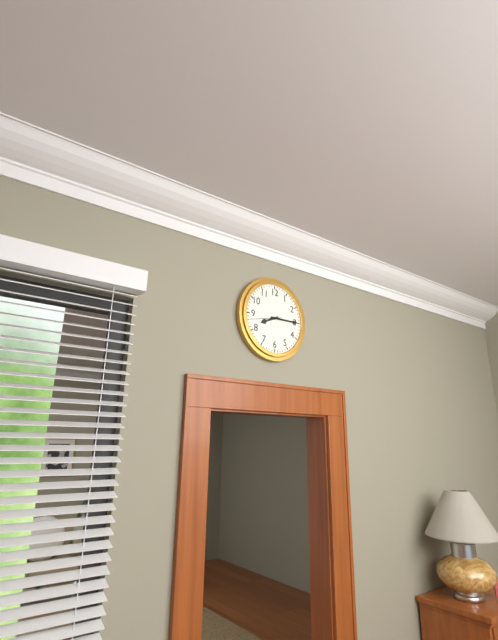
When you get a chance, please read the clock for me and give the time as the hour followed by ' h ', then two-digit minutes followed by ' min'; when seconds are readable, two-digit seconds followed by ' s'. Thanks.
8 h 15 min
